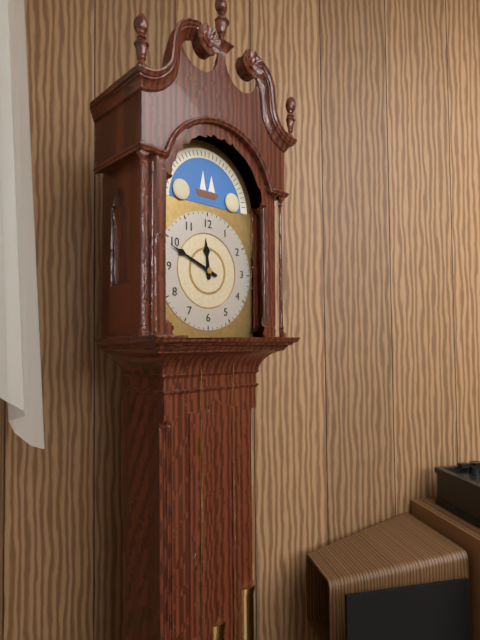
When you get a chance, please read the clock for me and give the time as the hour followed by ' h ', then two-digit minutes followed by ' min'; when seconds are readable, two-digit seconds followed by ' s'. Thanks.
11 h 49 min
